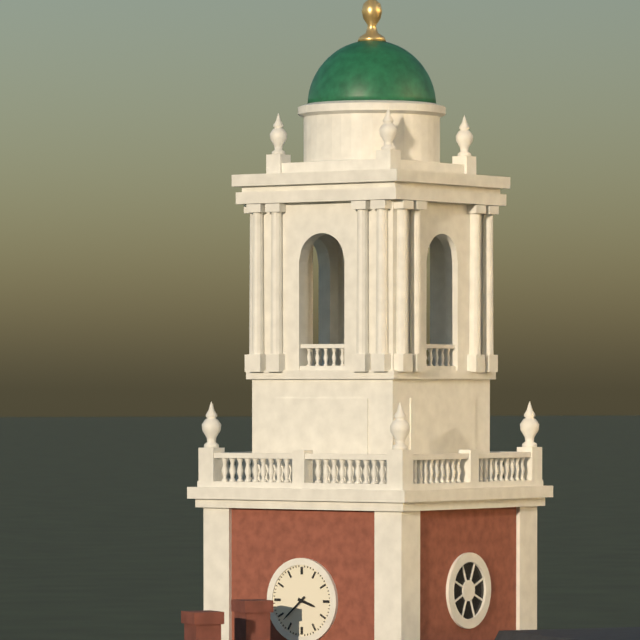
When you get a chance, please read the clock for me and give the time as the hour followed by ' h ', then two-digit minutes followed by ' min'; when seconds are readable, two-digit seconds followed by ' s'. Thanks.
3 h 38 min
